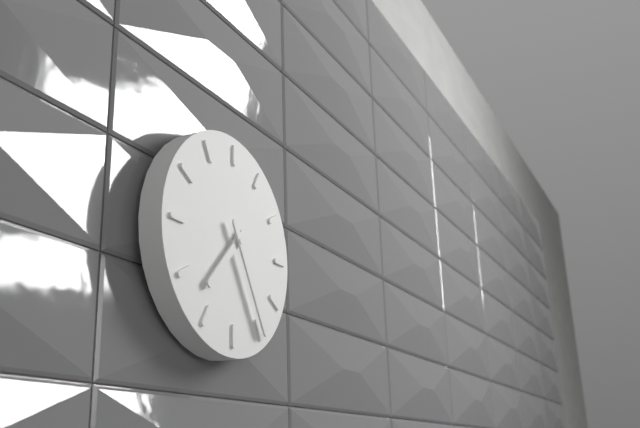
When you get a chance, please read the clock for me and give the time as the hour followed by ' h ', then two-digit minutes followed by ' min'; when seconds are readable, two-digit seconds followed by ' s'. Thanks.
7 h 25 min
